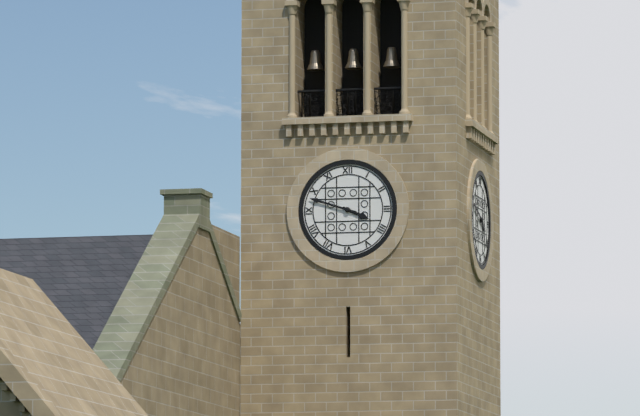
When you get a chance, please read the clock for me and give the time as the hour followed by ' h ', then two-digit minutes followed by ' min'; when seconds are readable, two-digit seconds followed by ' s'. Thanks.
3 h 48 min
